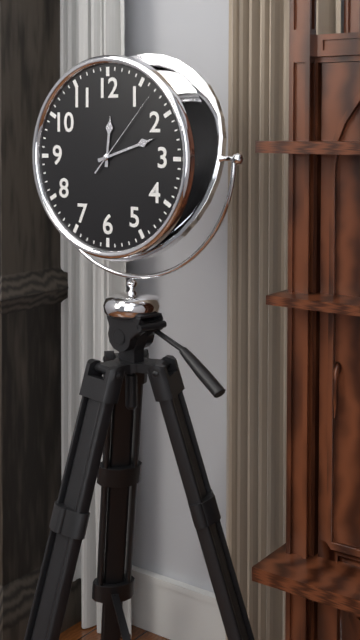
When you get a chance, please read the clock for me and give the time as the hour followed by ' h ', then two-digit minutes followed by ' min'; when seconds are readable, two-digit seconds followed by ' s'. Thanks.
12 h 12 min 07 s
